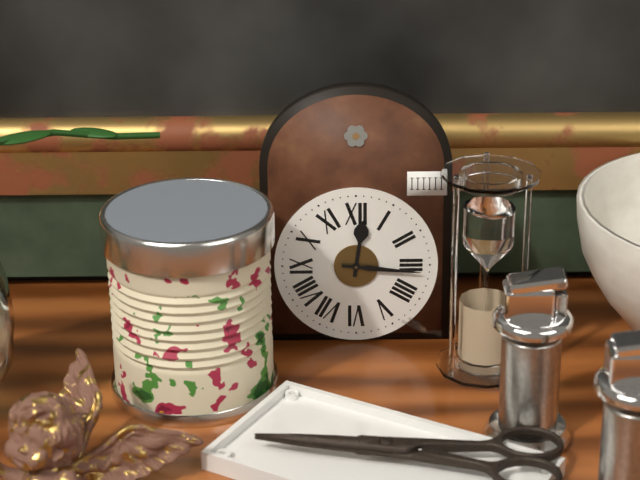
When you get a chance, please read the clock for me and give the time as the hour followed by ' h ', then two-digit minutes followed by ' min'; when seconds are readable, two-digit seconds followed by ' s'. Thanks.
12 h 16 min
